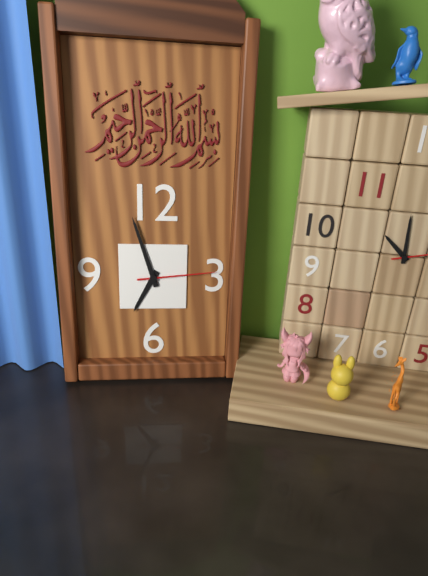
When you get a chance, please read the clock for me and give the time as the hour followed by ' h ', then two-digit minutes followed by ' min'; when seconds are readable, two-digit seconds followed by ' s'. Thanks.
6 h 57 min 14 s
